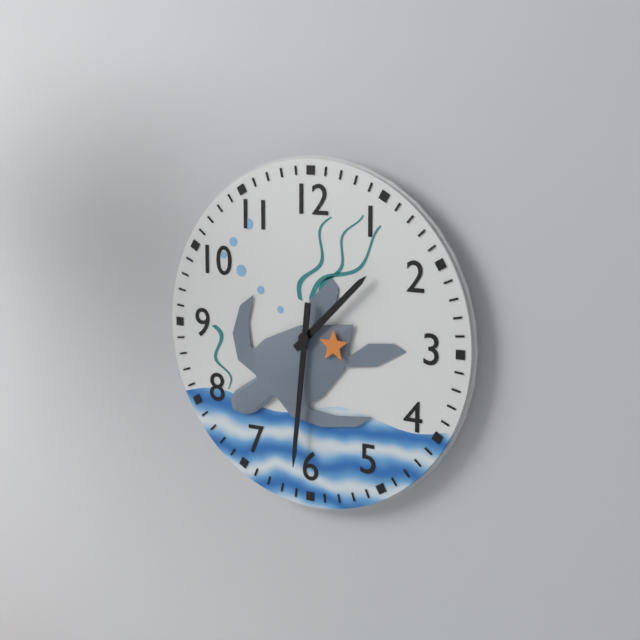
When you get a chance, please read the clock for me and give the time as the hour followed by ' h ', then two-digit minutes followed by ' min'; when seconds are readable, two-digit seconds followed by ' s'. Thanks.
1 h 31 min
